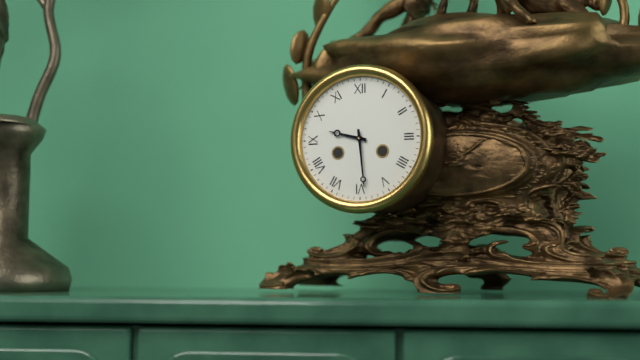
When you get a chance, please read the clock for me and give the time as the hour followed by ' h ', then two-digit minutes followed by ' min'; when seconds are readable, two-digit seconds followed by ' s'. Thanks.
9 h 29 min
